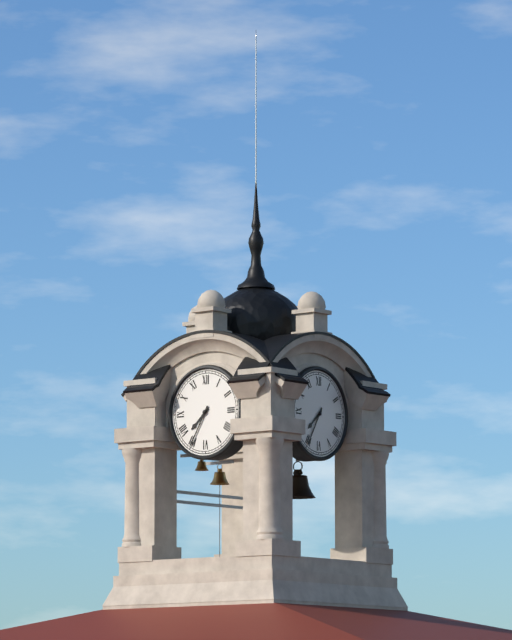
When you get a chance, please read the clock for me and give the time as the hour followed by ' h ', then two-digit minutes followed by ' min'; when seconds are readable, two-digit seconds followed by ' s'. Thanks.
7 h 35 min
